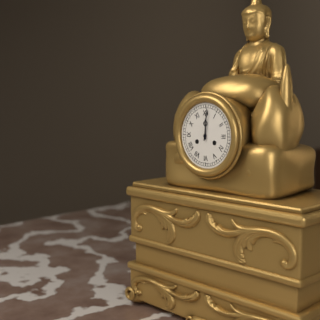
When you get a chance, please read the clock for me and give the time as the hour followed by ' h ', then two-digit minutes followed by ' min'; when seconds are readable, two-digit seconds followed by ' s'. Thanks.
12 h 01 min
